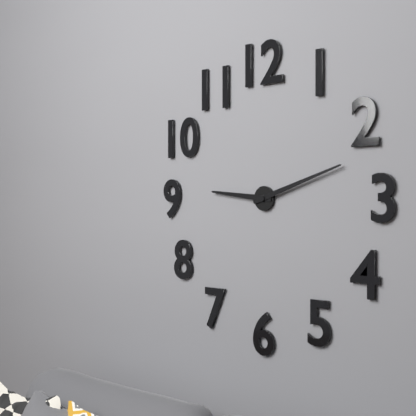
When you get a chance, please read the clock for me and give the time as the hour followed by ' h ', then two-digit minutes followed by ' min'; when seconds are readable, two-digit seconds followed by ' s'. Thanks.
9 h 12 min
